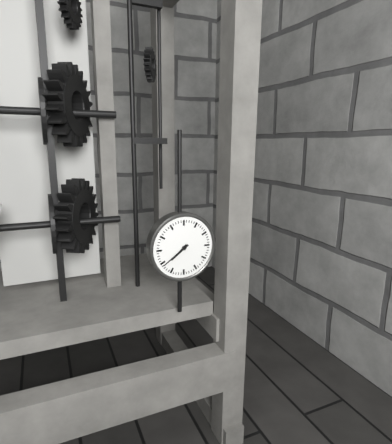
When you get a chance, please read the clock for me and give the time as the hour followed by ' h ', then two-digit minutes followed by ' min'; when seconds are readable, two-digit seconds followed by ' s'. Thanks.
7 h 39 min
